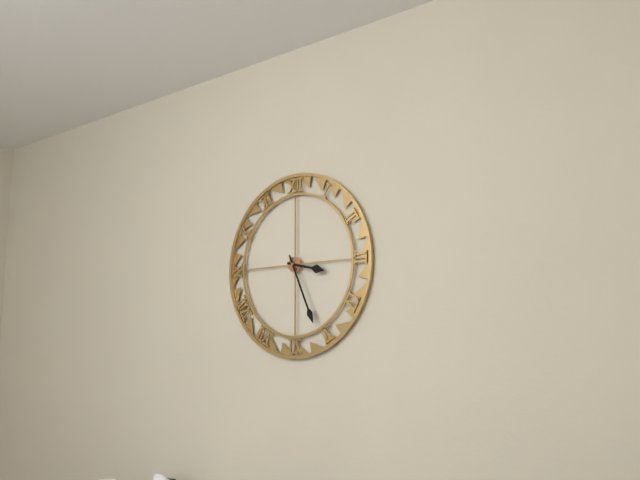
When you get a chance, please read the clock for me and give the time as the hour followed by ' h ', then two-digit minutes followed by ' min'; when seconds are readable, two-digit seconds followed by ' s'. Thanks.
3 h 26 min
